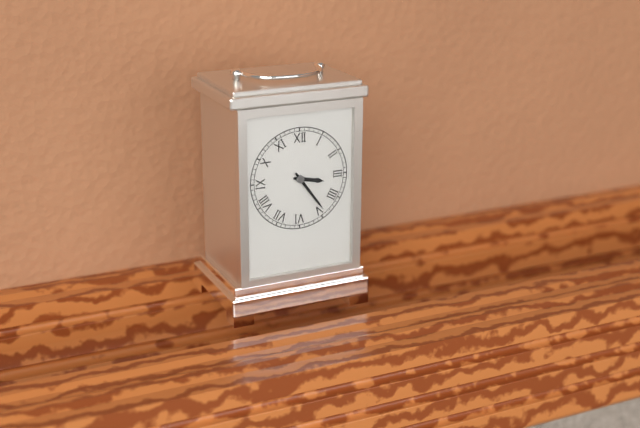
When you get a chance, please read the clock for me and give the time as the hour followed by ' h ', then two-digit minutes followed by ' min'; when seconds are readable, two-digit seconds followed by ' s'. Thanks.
3 h 24 min
